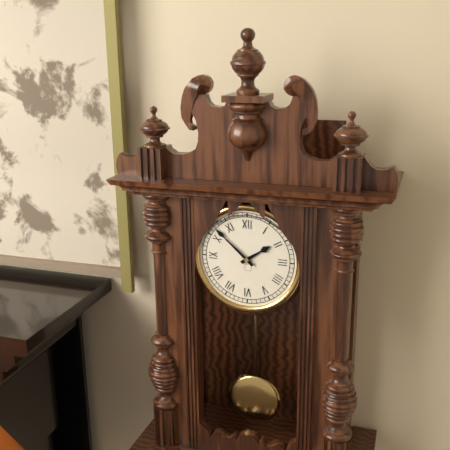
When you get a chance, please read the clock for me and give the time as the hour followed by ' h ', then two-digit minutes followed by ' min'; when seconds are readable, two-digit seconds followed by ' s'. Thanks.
1 h 52 min
